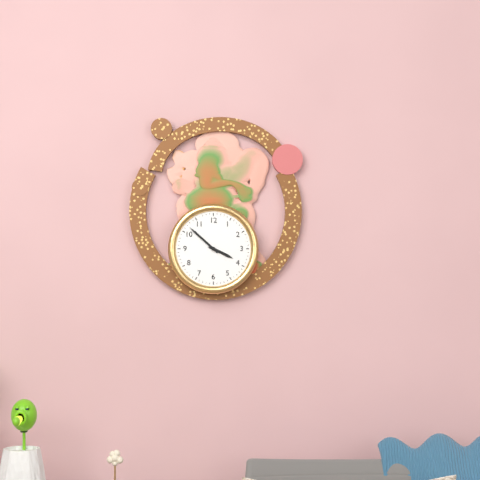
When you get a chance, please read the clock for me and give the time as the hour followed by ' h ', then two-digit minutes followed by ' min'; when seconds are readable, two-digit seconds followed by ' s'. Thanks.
3 h 52 min
